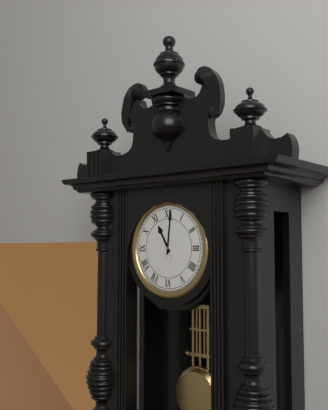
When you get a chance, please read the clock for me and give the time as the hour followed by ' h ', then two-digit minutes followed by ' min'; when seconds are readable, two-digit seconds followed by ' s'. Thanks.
11 h 01 min
